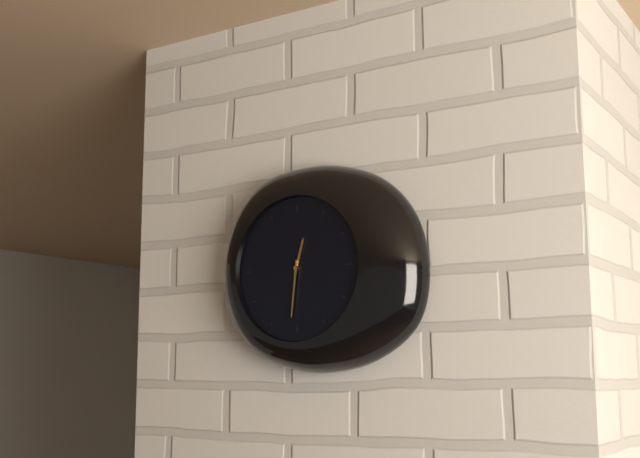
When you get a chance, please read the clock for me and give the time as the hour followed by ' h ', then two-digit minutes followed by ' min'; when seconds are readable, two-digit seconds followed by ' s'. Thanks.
12 h 31 min
